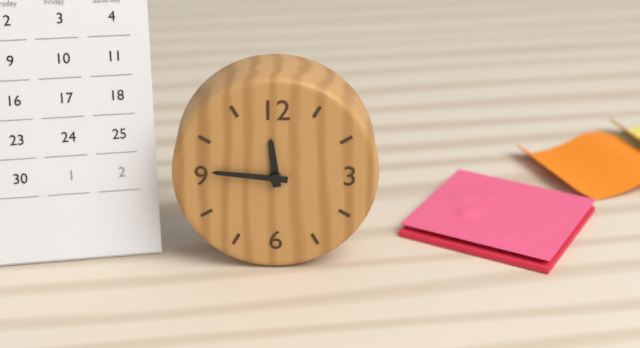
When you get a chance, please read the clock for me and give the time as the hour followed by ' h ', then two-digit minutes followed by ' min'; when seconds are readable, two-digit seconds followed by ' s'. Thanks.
11 h 46 min
